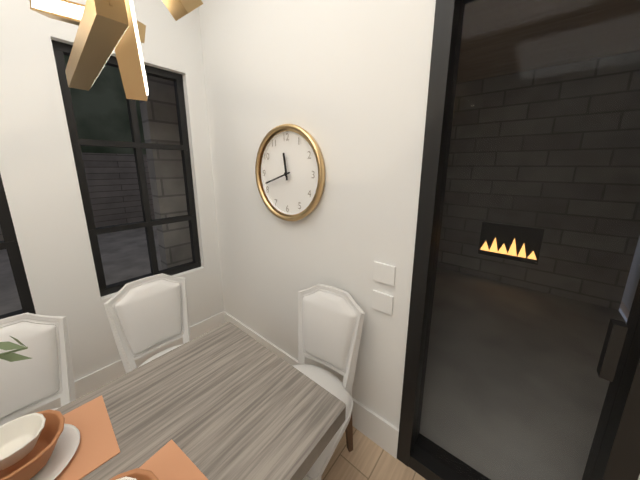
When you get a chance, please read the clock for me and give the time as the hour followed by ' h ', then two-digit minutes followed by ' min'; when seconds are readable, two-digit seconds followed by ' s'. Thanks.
11 h 42 min
